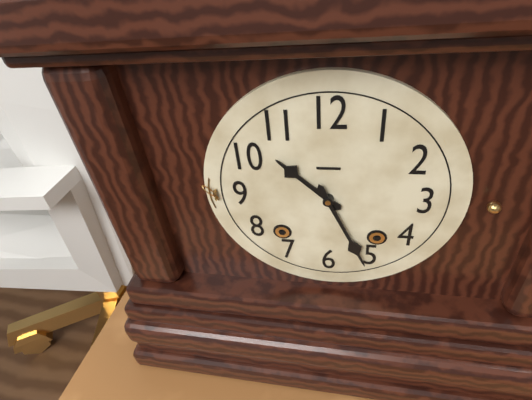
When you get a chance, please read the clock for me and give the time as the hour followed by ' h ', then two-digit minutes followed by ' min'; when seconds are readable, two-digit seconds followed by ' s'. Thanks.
10 h 26 min
